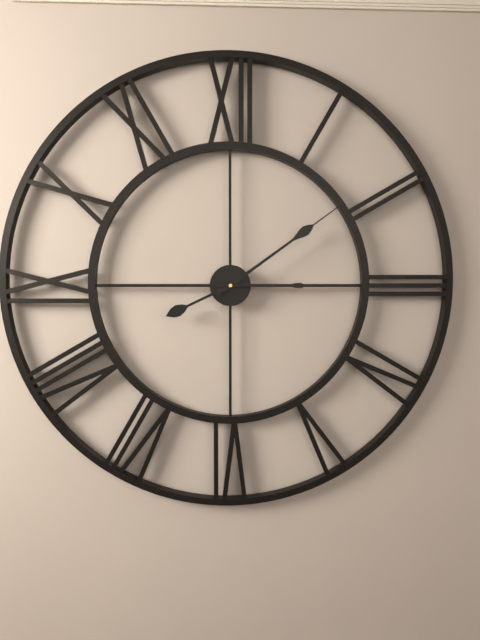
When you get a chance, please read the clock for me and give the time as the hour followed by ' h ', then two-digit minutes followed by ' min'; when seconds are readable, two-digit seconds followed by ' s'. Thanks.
8 h 09 min 15 s
